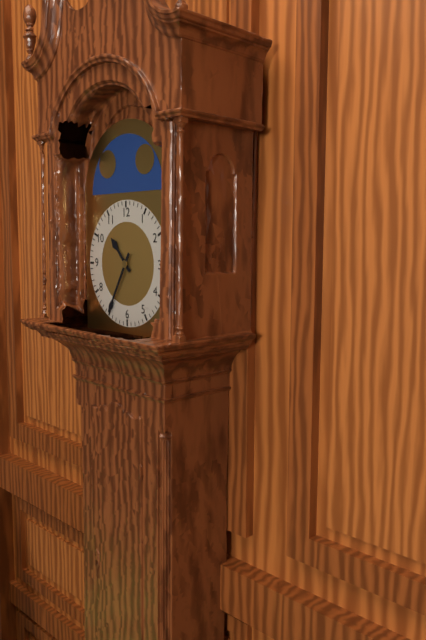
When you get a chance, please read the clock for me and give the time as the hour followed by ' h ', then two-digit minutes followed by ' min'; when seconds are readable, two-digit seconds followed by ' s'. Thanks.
10 h 35 min
